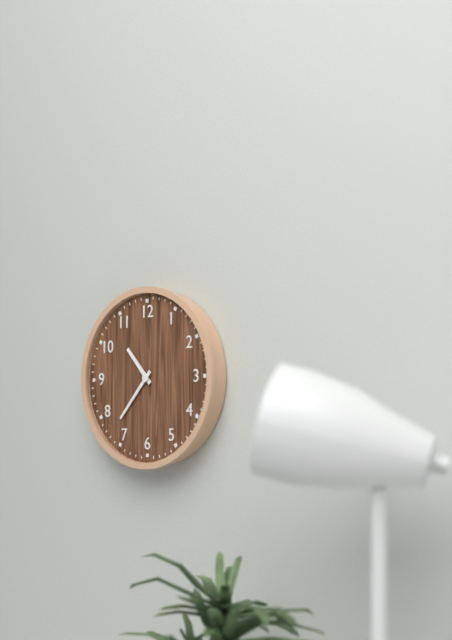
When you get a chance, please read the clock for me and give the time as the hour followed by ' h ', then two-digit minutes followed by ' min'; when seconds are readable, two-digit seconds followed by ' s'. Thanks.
10 h 37 min
